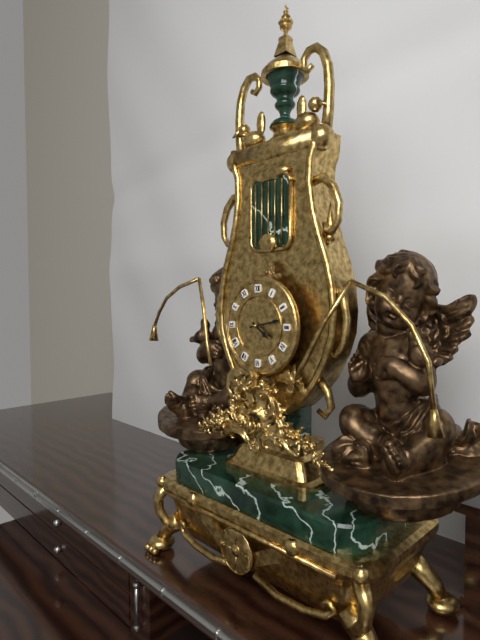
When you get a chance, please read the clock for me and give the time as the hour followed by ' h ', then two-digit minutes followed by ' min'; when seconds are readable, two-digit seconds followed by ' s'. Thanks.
4 h 13 min
